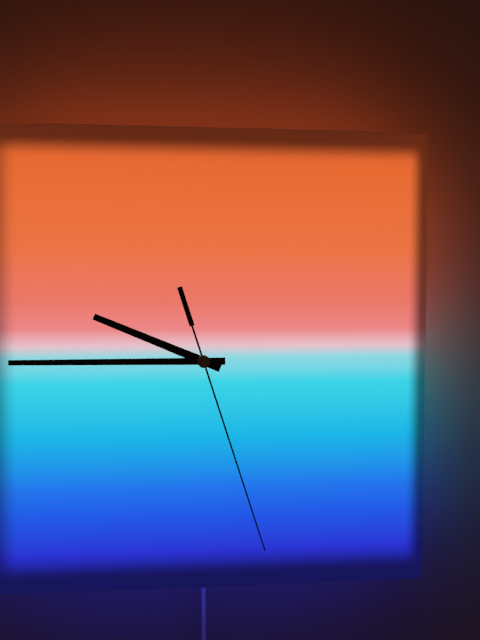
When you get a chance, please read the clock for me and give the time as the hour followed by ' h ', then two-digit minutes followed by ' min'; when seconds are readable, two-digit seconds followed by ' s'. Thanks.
9 h 45 min 27 s
